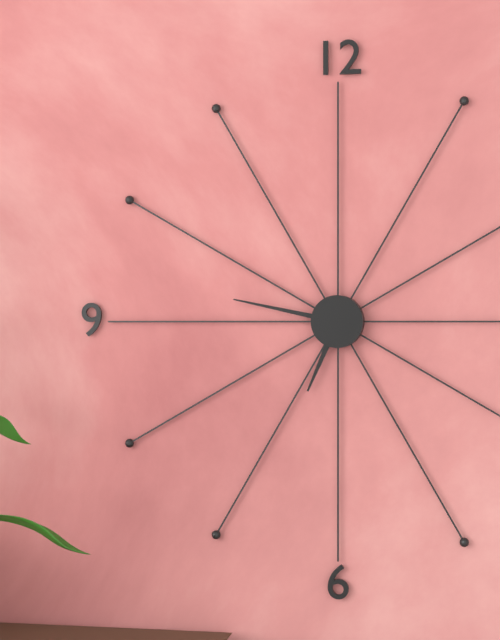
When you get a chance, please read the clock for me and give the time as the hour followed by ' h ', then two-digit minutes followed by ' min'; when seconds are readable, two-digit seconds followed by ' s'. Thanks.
6 h 47 min
